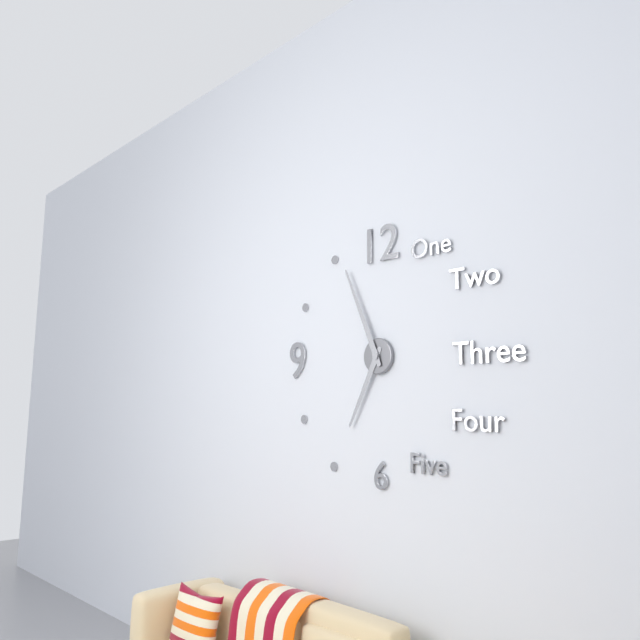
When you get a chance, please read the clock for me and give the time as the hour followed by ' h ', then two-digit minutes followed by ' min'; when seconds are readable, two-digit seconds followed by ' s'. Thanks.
6 h 56 min
